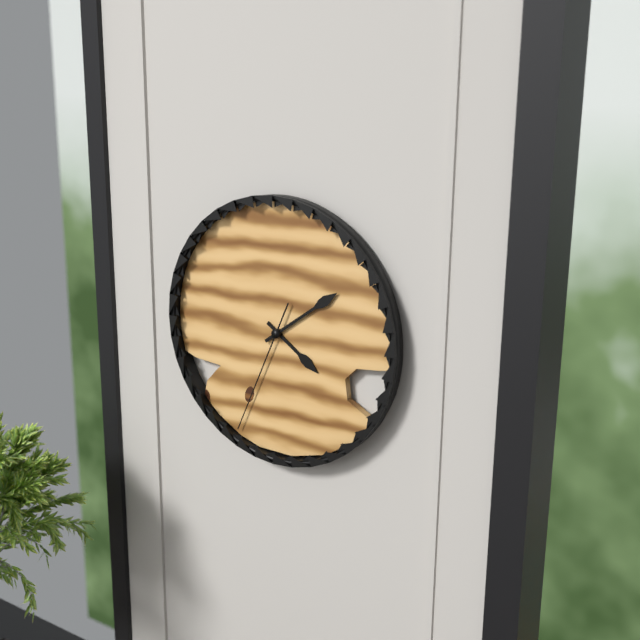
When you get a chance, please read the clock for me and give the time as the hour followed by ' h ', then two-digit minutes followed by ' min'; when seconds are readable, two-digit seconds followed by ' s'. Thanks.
4 h 09 min 34 s
